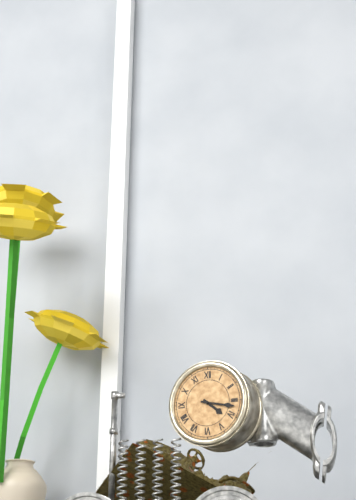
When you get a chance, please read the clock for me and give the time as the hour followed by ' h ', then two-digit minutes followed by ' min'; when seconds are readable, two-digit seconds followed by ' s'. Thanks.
4 h 17 min
